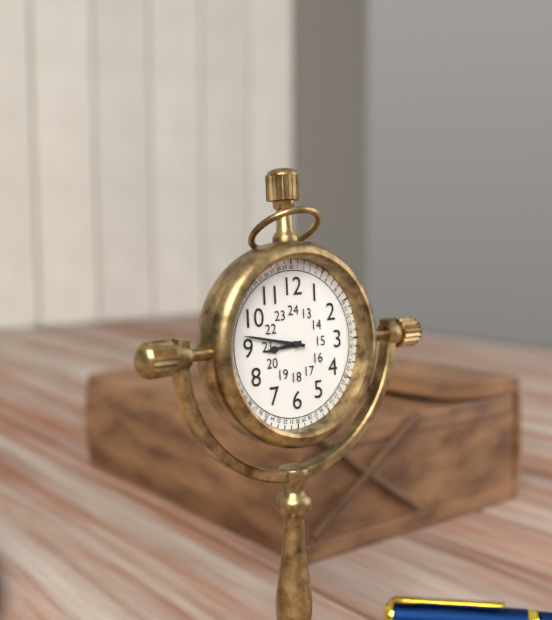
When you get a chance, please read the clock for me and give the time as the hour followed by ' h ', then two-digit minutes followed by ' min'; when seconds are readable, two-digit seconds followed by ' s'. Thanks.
8 h 47 min
